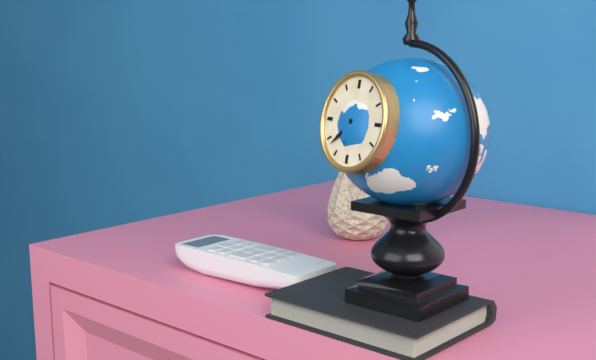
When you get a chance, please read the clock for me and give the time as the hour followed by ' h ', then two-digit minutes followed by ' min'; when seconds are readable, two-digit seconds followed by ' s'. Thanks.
6 h 38 min
